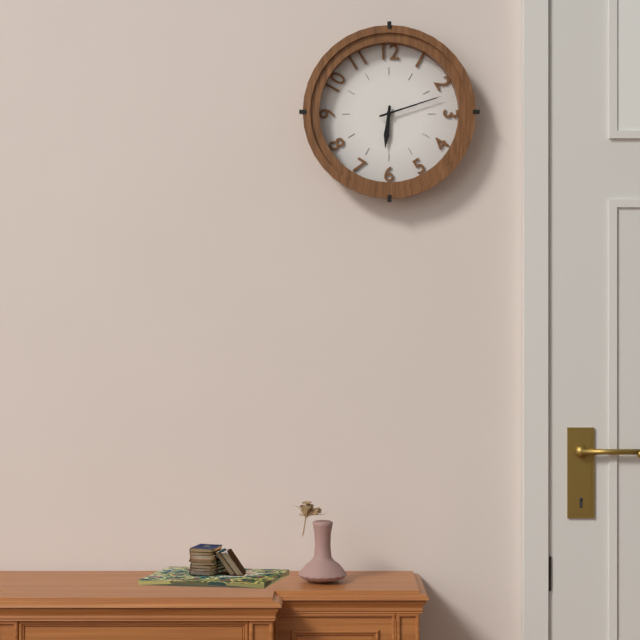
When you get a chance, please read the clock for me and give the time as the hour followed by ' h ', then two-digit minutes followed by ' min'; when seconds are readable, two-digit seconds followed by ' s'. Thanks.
6 h 12 min
